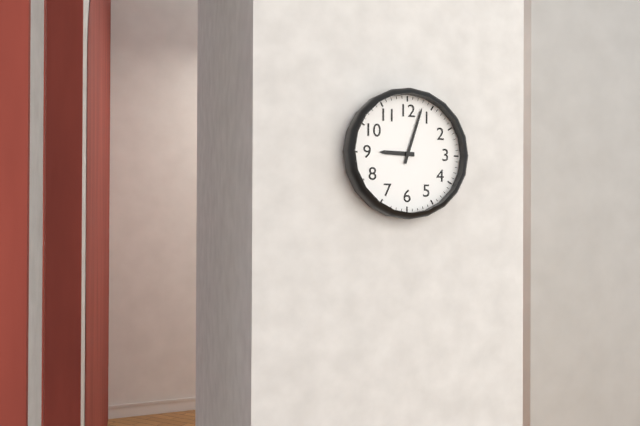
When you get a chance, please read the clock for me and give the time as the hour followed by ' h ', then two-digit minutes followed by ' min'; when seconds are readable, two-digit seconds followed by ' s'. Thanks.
9 h 03 min
